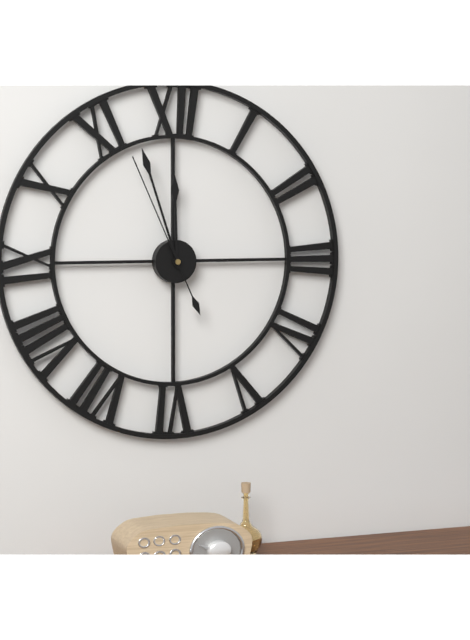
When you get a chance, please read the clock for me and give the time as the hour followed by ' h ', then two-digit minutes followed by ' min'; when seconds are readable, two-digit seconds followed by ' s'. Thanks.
11 h 57 min 56 s
